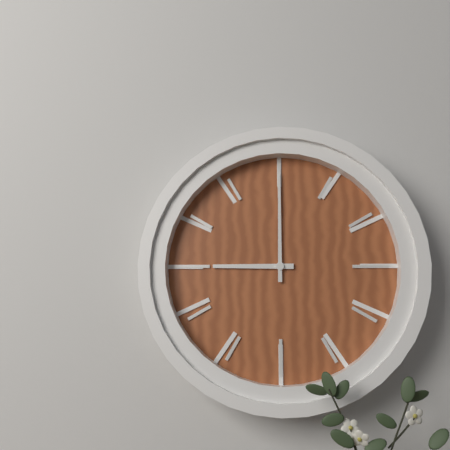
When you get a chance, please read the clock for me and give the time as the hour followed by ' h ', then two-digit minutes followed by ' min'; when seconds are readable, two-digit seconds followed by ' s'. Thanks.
9 h 00 min
